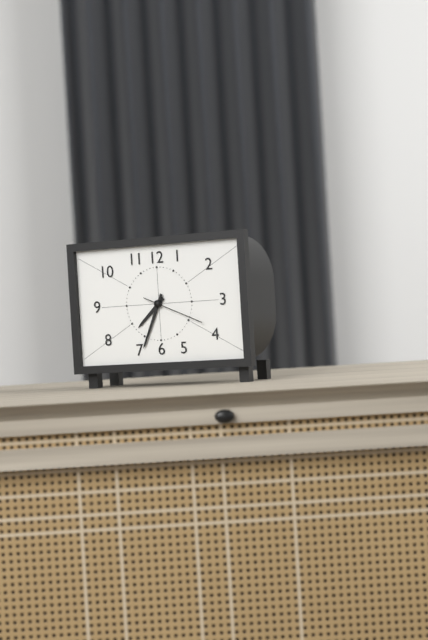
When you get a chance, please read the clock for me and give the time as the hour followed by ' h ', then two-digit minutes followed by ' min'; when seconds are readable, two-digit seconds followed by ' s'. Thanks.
7 h 34 min 19 s
